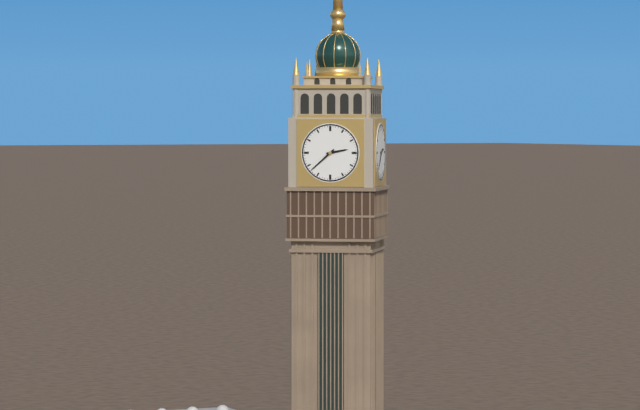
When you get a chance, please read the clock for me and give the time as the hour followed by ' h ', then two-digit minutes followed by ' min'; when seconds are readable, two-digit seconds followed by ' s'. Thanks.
2 h 38 min
